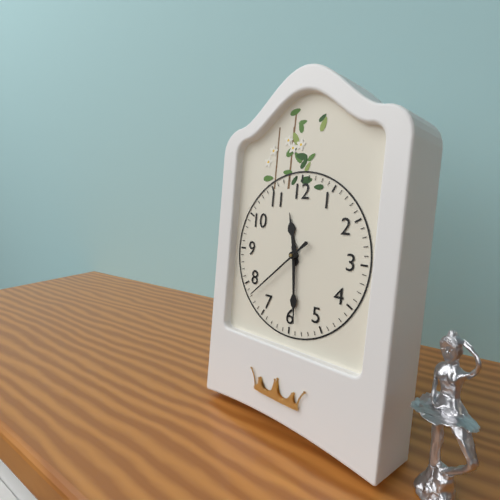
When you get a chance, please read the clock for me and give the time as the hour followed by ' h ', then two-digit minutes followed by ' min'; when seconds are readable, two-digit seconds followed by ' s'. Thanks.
11 h 29 min 38 s
